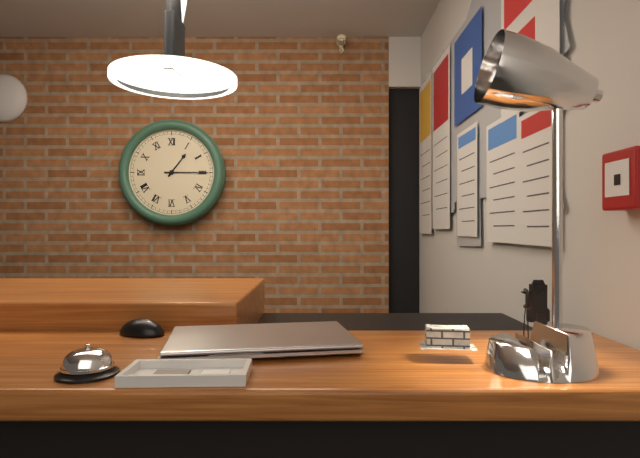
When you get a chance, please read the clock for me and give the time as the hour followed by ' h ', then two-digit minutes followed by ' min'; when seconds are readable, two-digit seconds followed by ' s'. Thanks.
1 h 15 min
